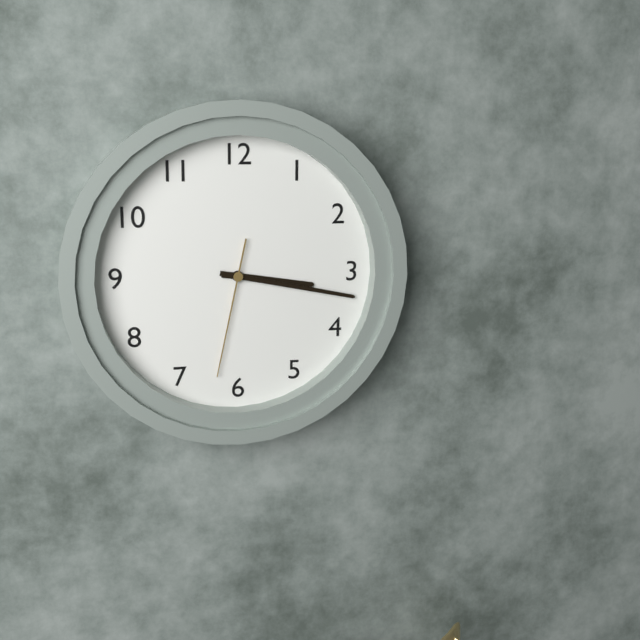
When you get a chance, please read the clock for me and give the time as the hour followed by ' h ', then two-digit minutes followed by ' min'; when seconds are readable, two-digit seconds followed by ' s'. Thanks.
3 h 17 min 32 s
